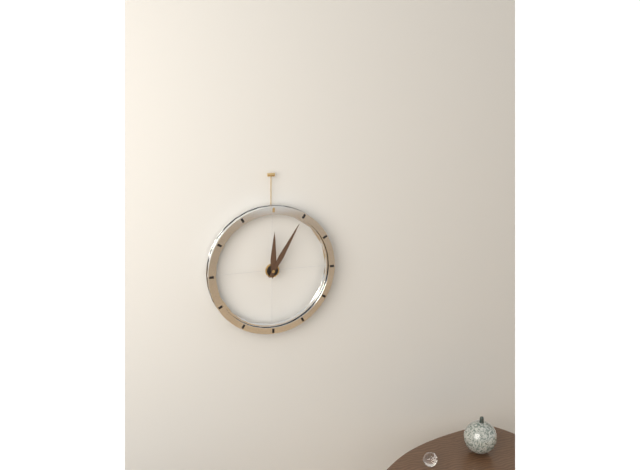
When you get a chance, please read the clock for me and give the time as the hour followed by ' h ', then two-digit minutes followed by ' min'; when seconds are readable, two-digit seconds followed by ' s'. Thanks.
12 h 05 min
